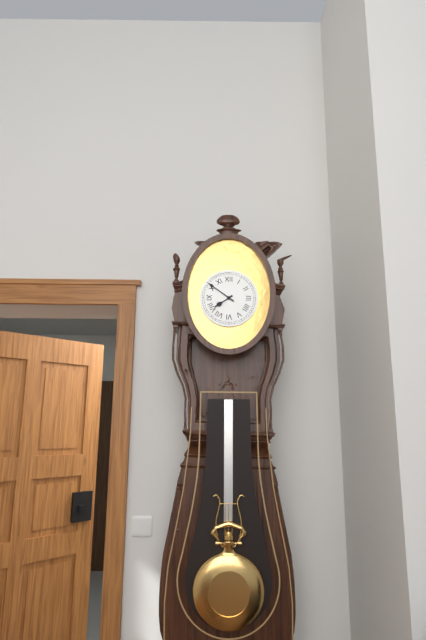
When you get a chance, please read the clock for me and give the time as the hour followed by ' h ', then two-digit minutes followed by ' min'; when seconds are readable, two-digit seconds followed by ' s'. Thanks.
7 h 51 min
